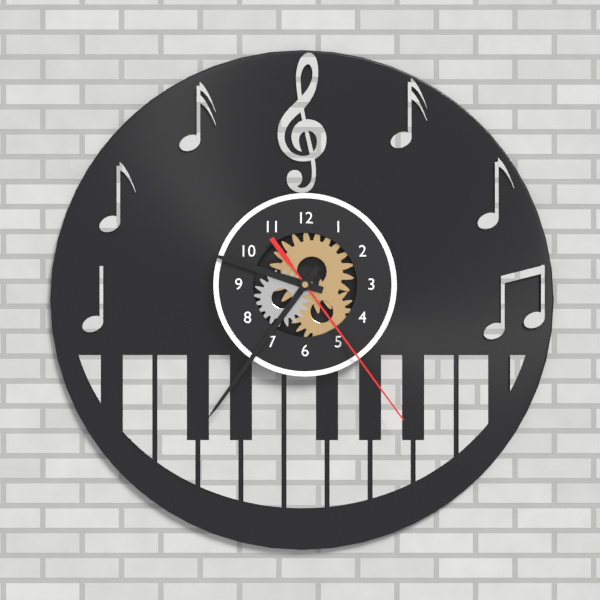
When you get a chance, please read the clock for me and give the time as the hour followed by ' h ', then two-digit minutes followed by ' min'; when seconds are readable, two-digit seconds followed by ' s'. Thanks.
9 h 36 min 24 s
